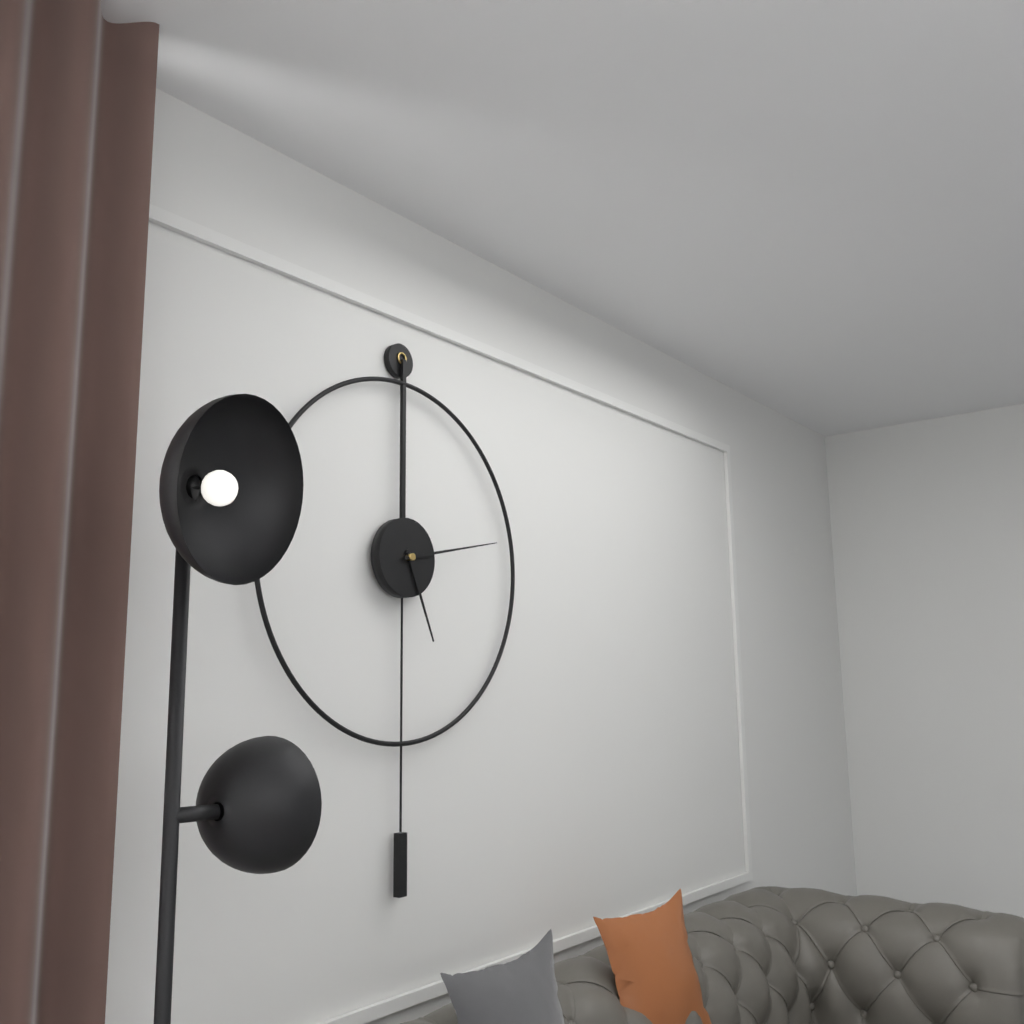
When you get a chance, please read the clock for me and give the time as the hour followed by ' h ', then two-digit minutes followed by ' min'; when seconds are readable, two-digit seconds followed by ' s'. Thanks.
5 h 13 min
